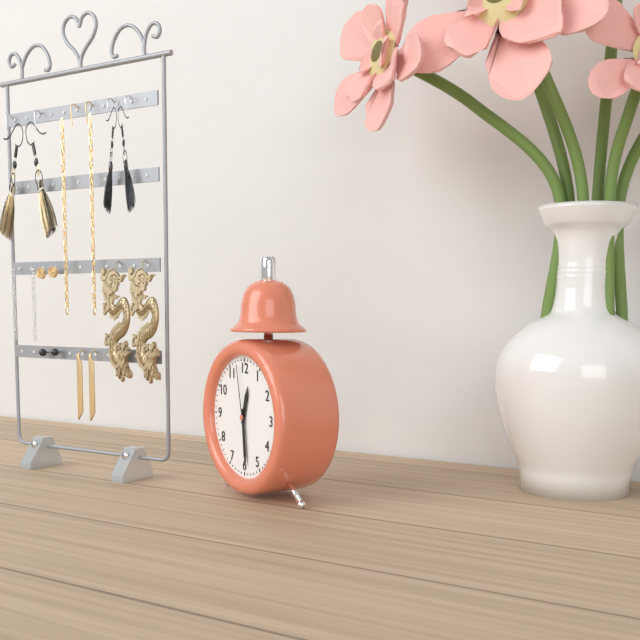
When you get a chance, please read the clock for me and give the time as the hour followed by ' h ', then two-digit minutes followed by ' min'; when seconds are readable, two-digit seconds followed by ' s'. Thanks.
12 h 29 min 58 s
